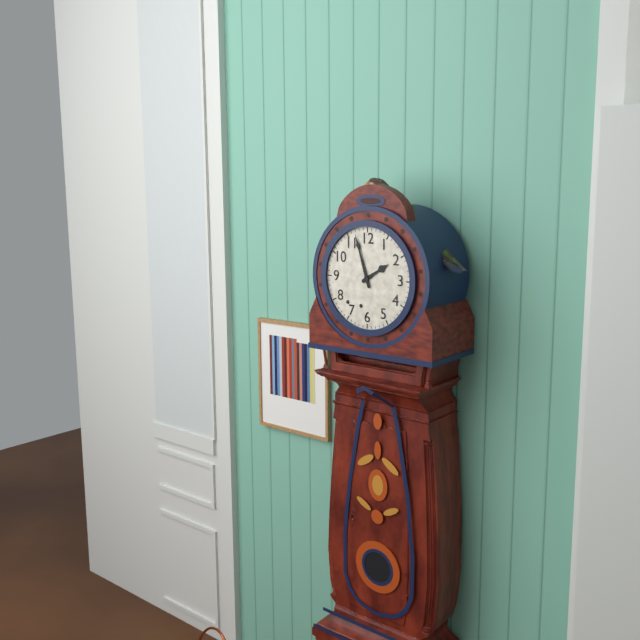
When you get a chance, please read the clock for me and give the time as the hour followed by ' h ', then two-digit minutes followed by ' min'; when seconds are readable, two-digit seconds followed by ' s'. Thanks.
1 h 57 min
